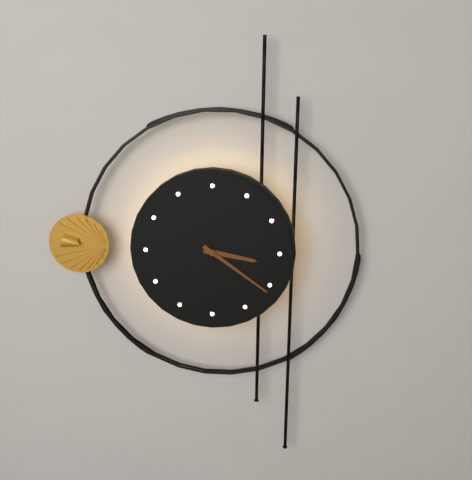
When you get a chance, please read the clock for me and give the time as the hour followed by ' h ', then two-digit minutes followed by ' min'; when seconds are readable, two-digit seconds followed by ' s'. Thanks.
3 h 21 min
